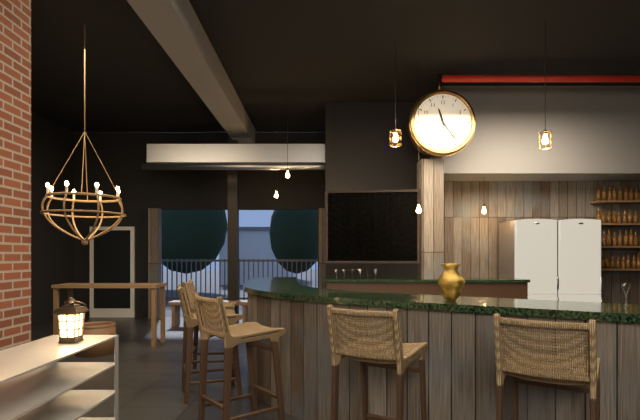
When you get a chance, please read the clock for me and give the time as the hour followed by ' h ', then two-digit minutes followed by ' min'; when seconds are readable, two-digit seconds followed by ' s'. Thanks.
11 h 24 min
